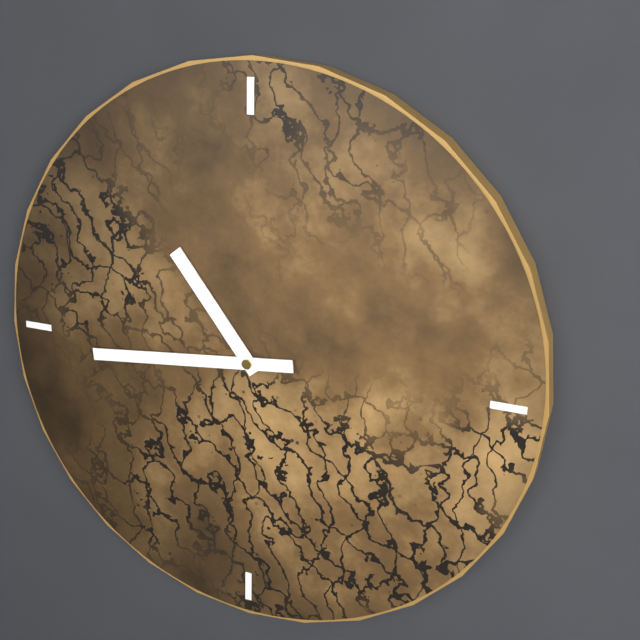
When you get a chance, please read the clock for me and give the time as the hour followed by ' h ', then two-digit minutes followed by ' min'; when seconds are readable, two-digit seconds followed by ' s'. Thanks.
10 h 44 min
